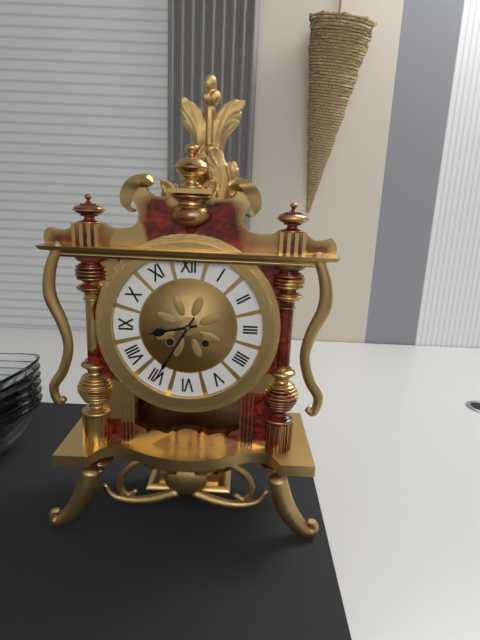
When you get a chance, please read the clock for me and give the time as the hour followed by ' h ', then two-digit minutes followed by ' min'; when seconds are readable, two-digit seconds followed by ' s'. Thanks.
8 h 35 min
